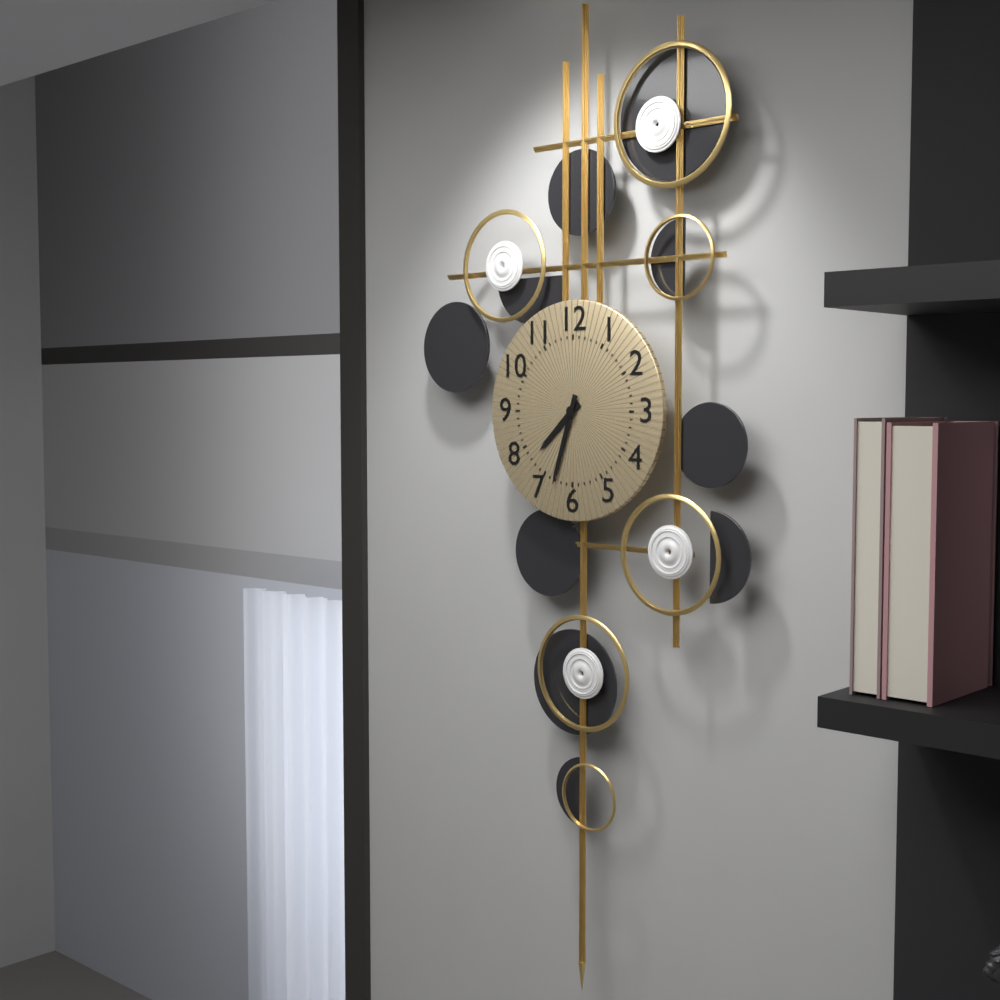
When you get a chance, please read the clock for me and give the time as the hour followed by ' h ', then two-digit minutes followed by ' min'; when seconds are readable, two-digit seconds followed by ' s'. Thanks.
7 h 33 min
